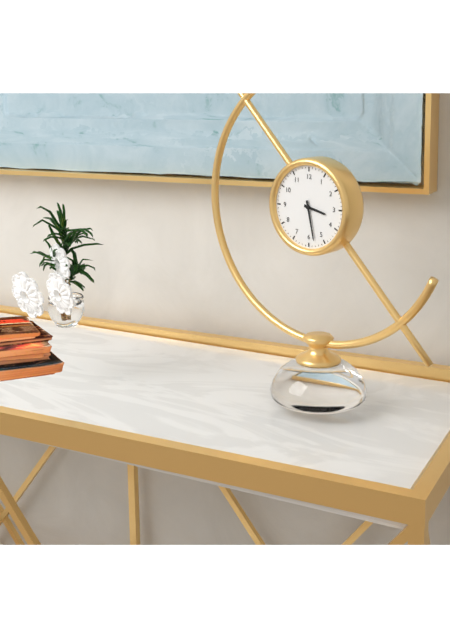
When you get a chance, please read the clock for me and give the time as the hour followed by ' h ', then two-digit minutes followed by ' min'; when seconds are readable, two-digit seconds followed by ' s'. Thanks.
3 h 28 min
